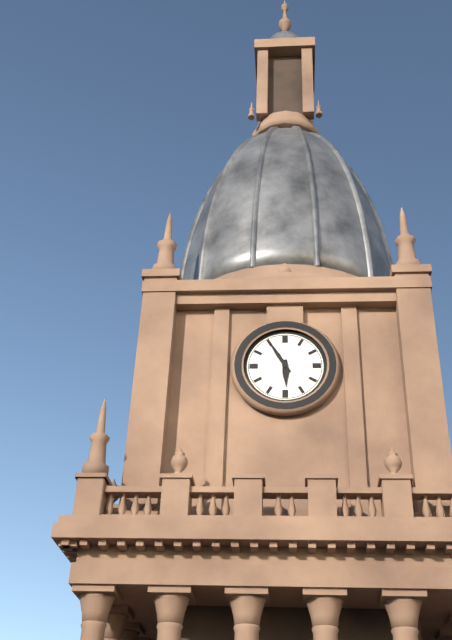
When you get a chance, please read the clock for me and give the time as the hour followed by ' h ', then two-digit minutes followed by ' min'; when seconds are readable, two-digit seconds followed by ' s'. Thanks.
5 h 55 min
